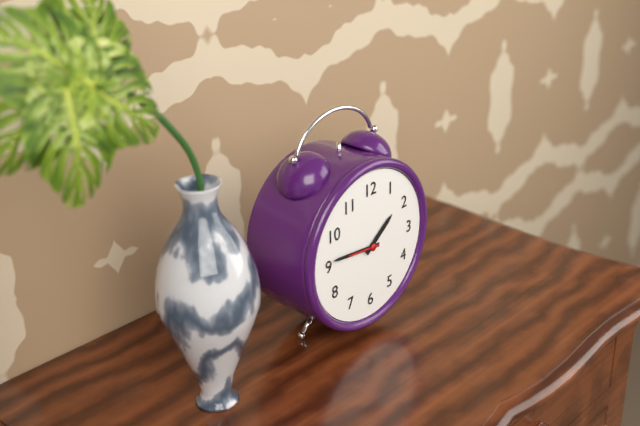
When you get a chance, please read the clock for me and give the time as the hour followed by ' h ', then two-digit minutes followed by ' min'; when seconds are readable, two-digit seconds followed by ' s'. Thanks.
1 h 46 min
